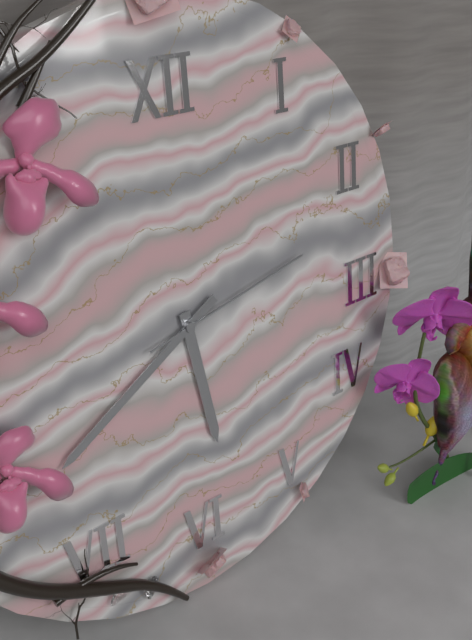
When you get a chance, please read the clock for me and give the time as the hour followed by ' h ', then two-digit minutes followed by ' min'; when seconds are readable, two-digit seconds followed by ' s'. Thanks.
5 h 40 min 13 s
